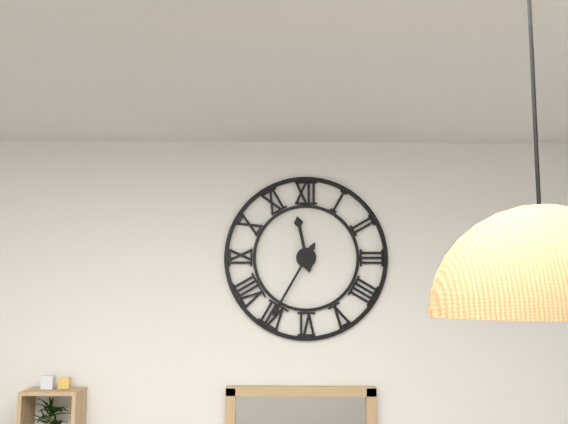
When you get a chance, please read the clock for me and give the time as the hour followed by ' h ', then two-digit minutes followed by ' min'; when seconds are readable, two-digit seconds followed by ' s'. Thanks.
11 h 35 min
